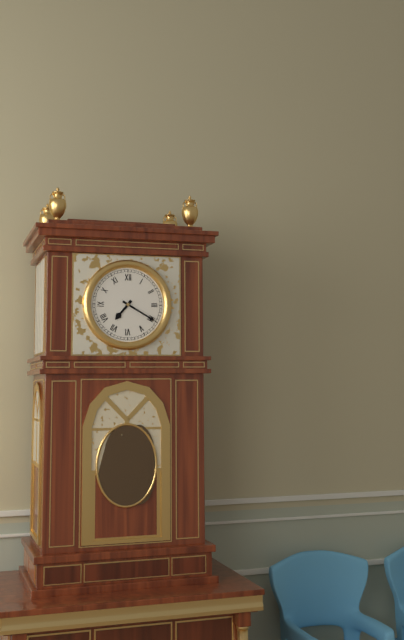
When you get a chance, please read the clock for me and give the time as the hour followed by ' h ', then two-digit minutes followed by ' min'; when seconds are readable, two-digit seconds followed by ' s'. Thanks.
7 h 20 min
